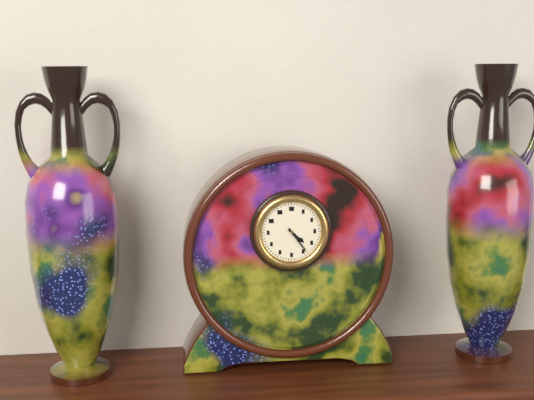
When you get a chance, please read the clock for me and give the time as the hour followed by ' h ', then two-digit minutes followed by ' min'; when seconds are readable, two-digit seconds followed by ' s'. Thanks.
4 h 24 min
